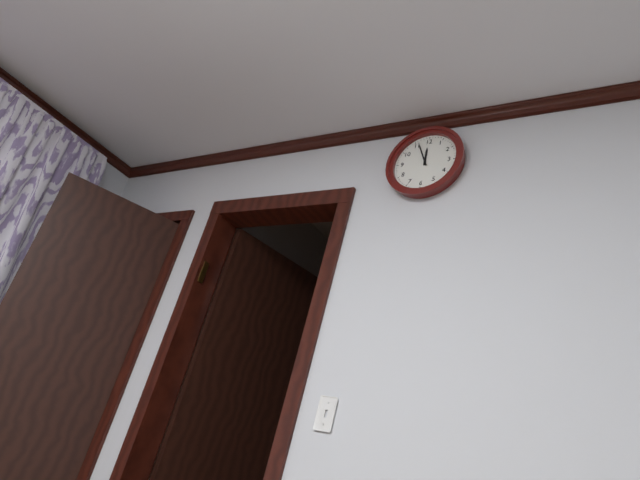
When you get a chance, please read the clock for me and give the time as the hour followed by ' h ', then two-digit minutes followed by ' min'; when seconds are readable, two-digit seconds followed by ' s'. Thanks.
11 h 56 min
